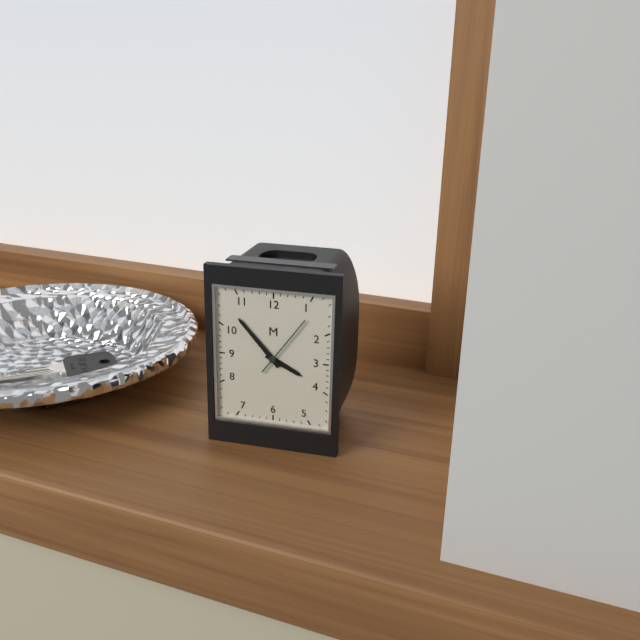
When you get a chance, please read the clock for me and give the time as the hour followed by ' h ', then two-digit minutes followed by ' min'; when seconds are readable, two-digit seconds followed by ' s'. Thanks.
3 h 53 min 06 s
